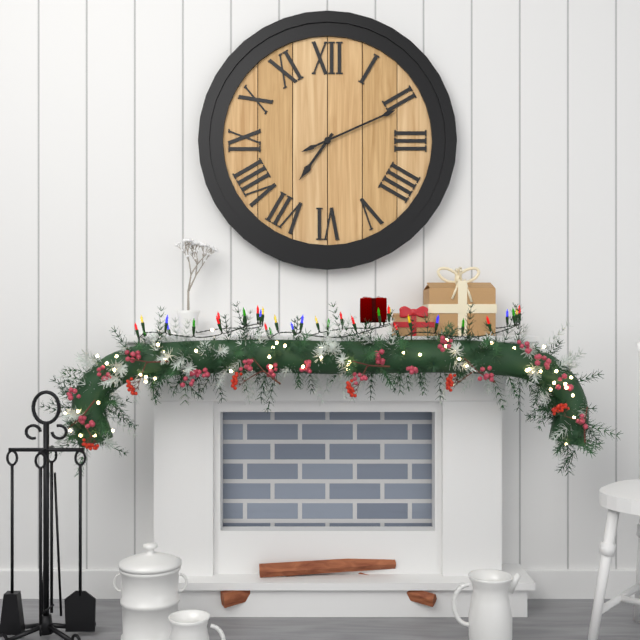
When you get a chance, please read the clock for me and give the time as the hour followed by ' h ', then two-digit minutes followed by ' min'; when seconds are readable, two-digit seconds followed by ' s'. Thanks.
7 h 11 min
